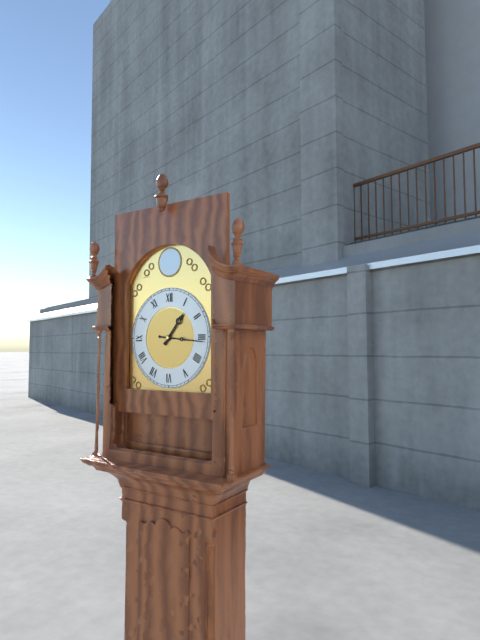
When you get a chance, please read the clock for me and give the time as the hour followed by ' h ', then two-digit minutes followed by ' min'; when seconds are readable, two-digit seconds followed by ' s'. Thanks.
1 h 16 min
